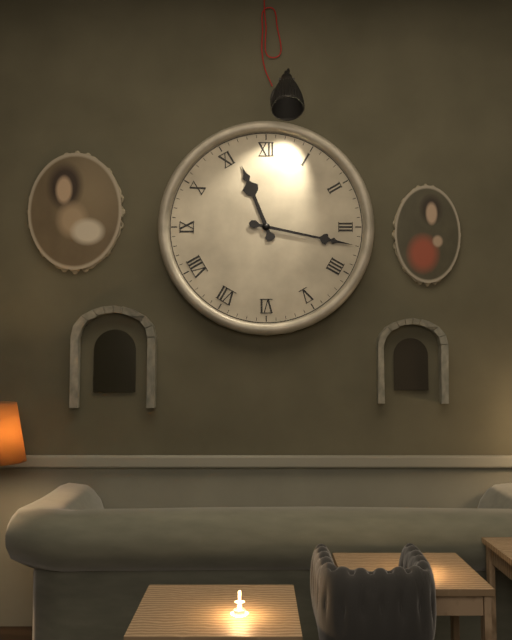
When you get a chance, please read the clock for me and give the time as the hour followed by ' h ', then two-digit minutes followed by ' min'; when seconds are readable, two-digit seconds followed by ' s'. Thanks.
11 h 17 min
